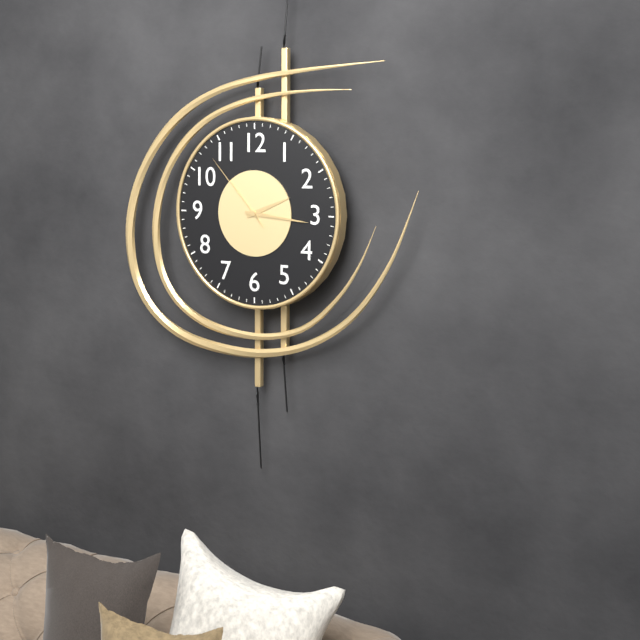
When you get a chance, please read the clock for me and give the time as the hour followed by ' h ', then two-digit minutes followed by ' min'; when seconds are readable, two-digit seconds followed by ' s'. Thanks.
2 h 16 min 53 s
